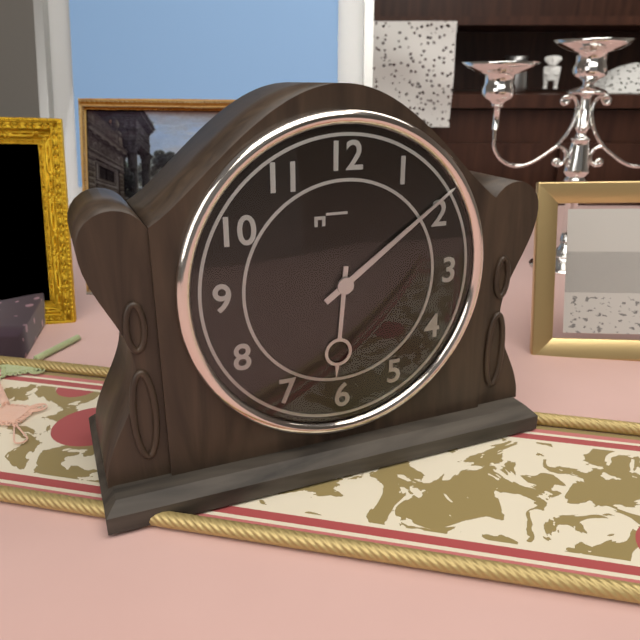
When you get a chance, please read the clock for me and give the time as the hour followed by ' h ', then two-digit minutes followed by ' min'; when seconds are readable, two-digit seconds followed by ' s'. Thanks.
6 h 09 min
